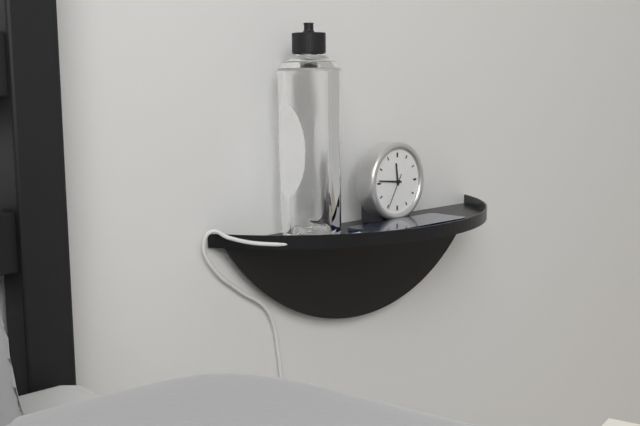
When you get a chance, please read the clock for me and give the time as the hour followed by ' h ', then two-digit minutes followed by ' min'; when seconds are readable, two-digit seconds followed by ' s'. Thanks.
11 h 46 min
